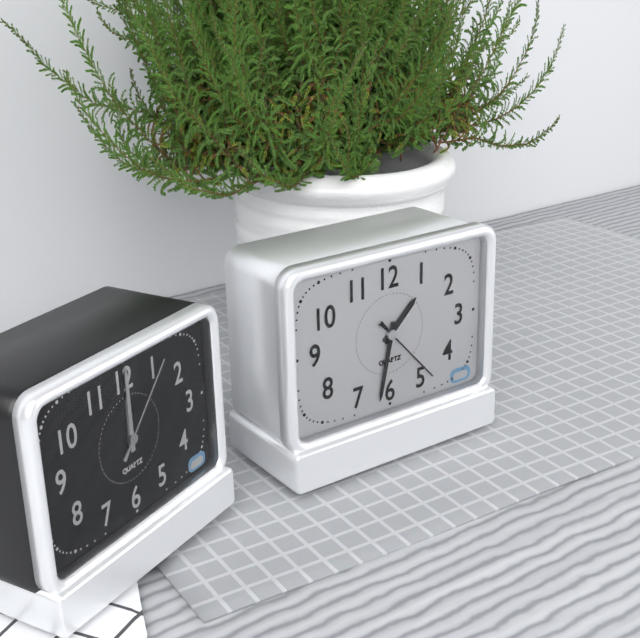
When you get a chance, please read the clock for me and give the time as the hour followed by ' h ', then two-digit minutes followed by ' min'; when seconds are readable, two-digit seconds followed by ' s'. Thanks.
1 h 32 min 23 s
